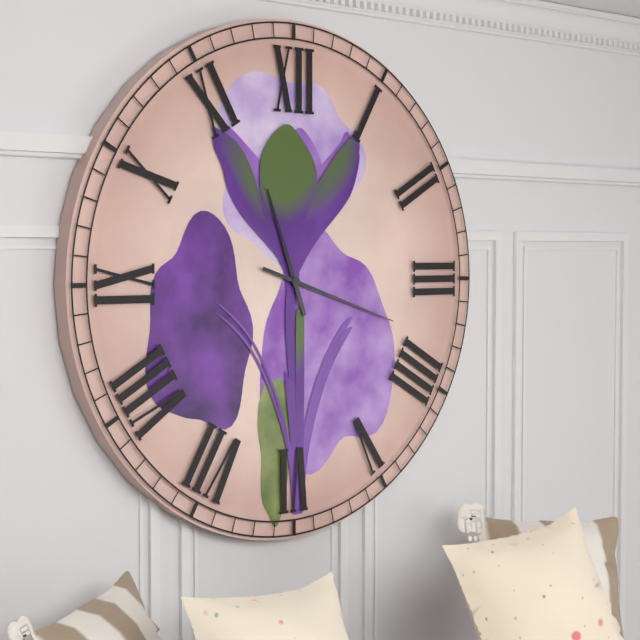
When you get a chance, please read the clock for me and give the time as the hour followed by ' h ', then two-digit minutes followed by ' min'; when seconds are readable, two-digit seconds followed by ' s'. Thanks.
11 h 18 min
